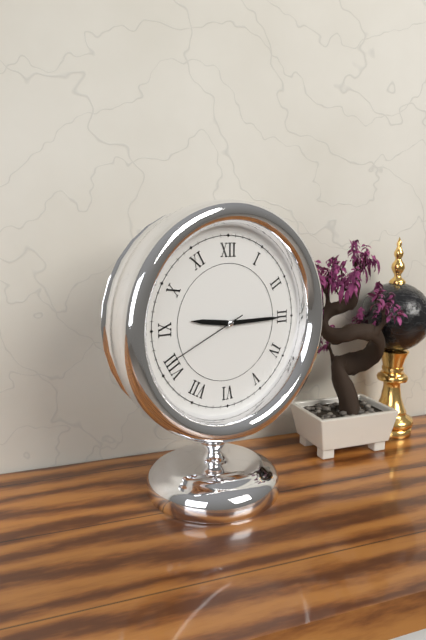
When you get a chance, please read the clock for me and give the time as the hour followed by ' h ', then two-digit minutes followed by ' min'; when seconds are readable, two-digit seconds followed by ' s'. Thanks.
9 h 15 min 41 s
